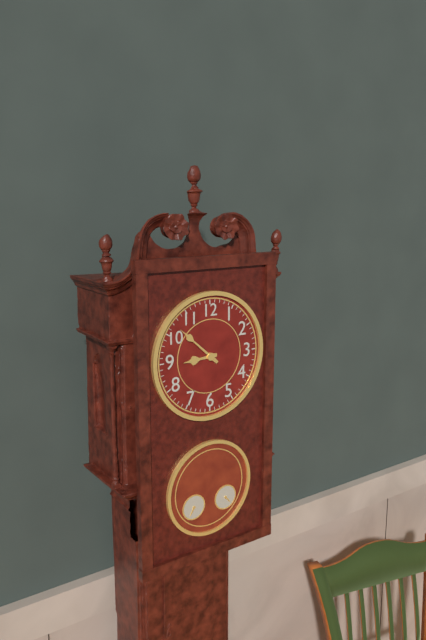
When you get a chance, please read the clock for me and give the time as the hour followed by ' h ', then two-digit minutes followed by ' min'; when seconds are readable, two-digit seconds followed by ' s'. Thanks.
8 h 52 min
